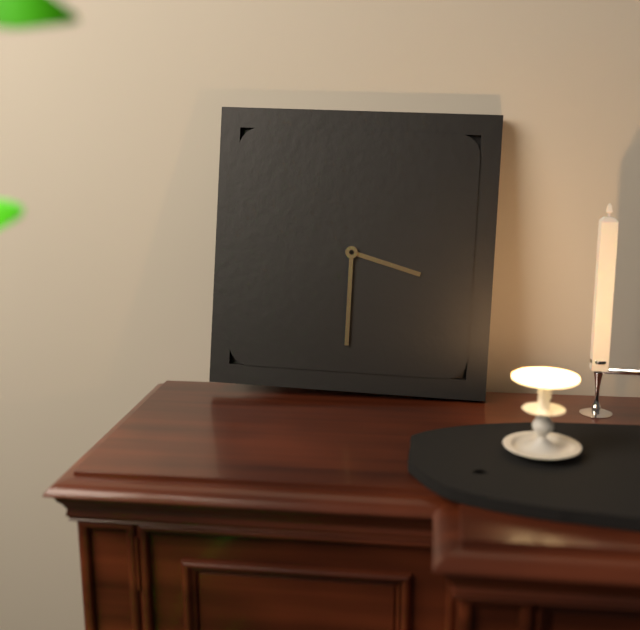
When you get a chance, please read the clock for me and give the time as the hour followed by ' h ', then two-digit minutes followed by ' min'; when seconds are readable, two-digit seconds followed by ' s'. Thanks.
3 h 30 min
